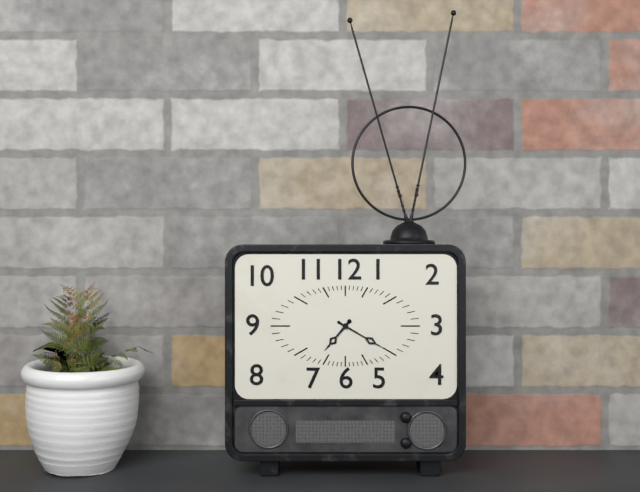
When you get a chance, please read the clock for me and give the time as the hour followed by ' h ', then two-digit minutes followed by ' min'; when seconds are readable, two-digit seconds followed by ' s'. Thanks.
7 h 20 min
